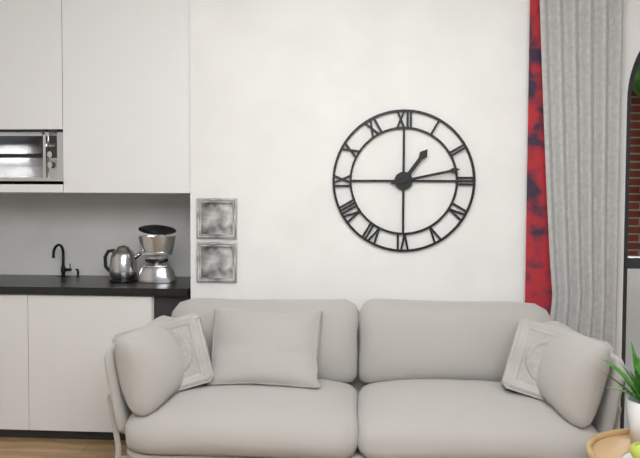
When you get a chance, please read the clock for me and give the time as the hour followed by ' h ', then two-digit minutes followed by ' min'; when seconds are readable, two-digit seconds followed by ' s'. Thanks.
1 h 13 min
